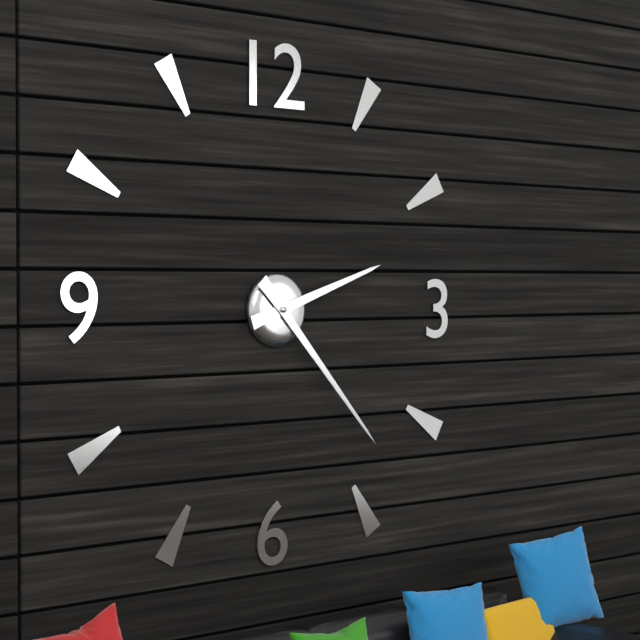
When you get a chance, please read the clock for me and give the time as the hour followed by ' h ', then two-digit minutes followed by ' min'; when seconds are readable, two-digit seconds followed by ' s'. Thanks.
2 h 23 min
